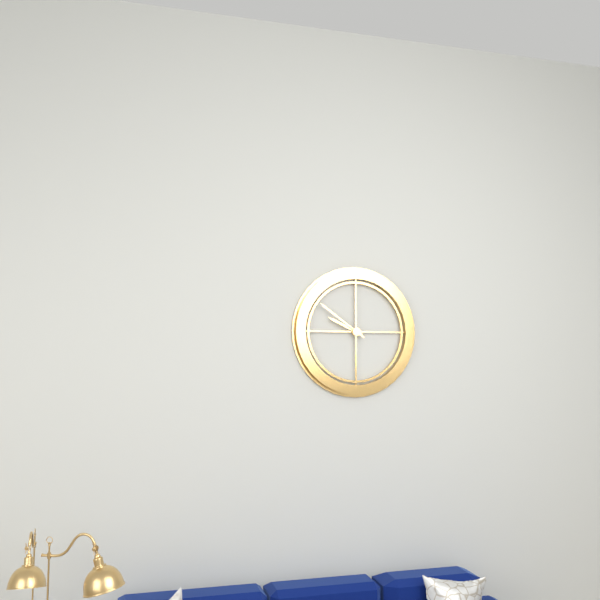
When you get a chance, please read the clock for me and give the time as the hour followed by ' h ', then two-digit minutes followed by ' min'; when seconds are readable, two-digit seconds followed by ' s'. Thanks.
9 h 51 min
